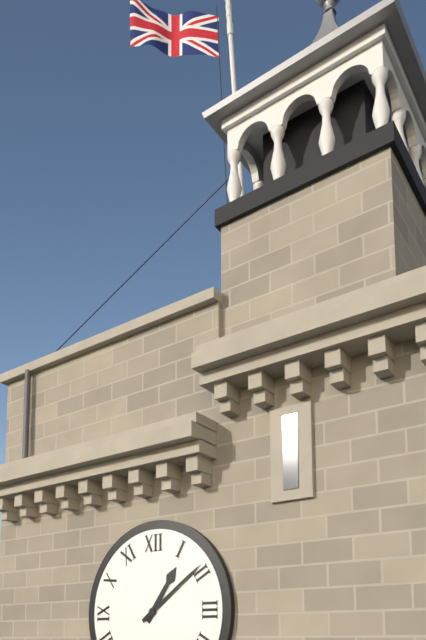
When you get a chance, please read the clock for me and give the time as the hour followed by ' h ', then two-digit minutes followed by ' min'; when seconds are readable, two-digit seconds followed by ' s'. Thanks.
1 h 09 min
